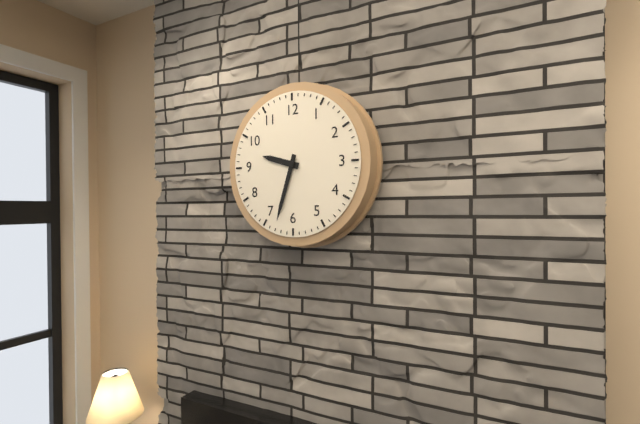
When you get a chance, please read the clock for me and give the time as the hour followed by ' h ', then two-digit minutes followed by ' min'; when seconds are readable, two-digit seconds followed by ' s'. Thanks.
9 h 33 min
